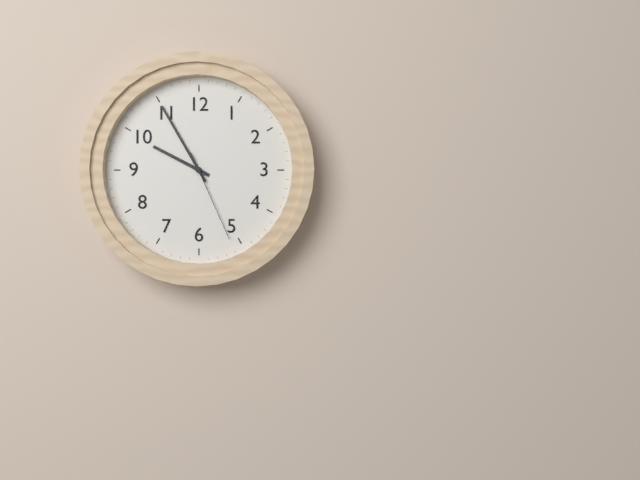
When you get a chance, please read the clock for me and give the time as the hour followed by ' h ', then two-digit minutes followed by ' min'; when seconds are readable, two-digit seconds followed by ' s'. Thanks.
9 h 55 min 26 s
